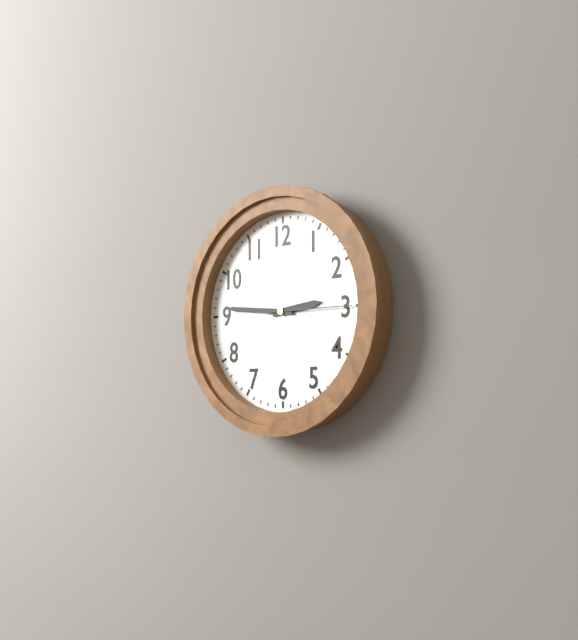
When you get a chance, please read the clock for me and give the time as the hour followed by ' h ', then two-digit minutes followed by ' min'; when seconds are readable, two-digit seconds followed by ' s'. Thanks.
2 h 46 min 15 s
